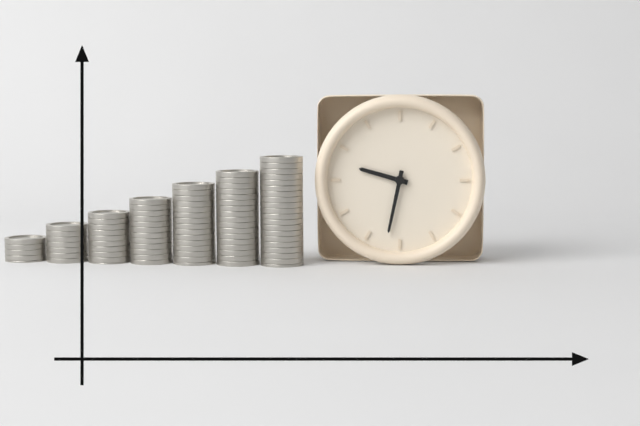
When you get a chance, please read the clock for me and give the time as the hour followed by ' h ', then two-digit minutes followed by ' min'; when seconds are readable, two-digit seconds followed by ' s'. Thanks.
9 h 32 min
